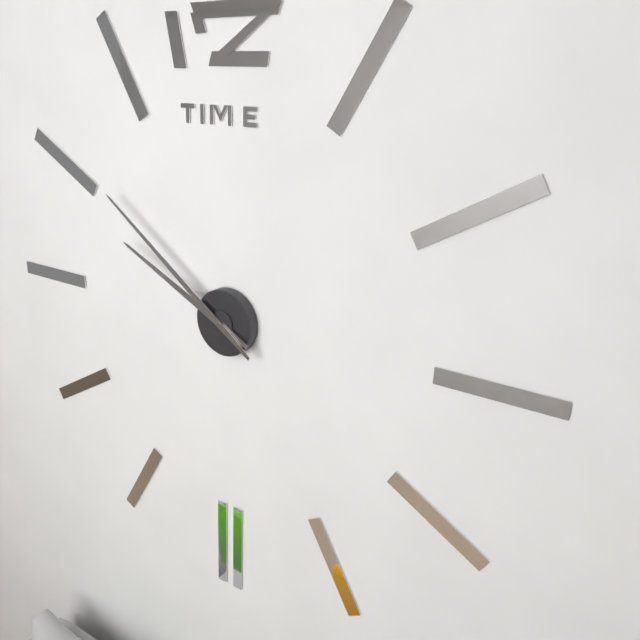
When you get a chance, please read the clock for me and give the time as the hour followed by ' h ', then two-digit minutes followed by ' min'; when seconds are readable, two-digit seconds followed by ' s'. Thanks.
9 h 51 min
